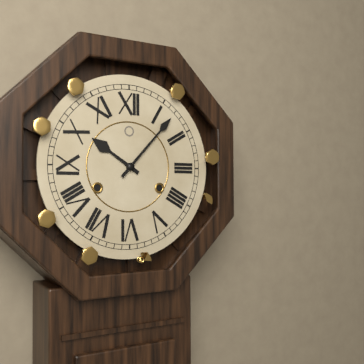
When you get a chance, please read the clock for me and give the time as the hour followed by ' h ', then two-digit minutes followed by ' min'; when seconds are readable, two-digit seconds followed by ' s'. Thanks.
10 h 07 min
